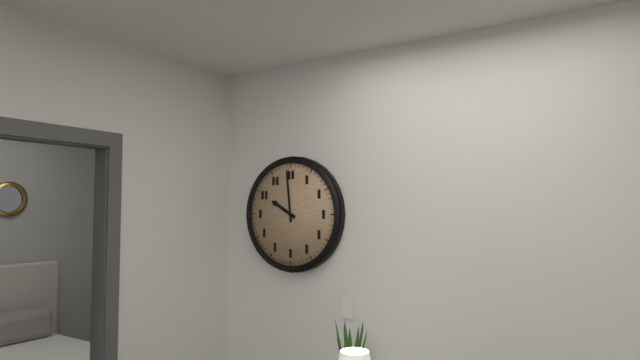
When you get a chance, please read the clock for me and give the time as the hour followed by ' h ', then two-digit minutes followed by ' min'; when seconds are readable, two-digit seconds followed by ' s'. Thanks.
9 h 59 min
